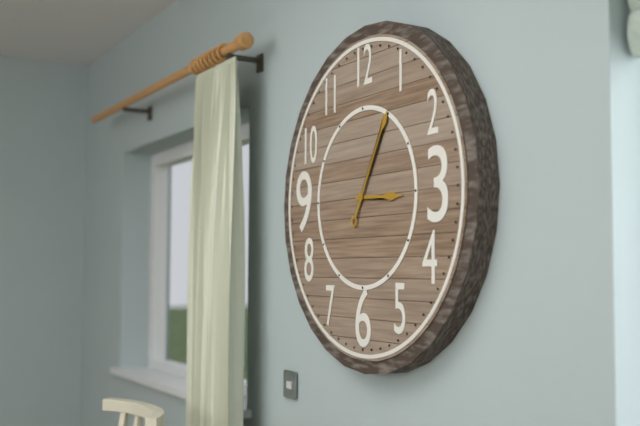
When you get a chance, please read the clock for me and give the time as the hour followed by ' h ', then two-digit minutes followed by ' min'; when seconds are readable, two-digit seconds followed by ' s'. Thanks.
3 h 05 min
